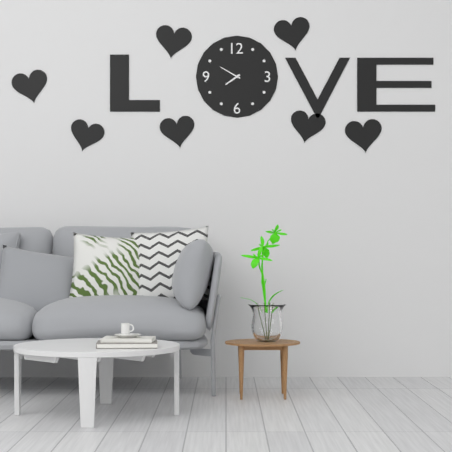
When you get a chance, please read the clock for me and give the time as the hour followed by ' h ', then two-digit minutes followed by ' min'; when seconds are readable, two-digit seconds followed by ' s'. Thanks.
7 h 50 min
